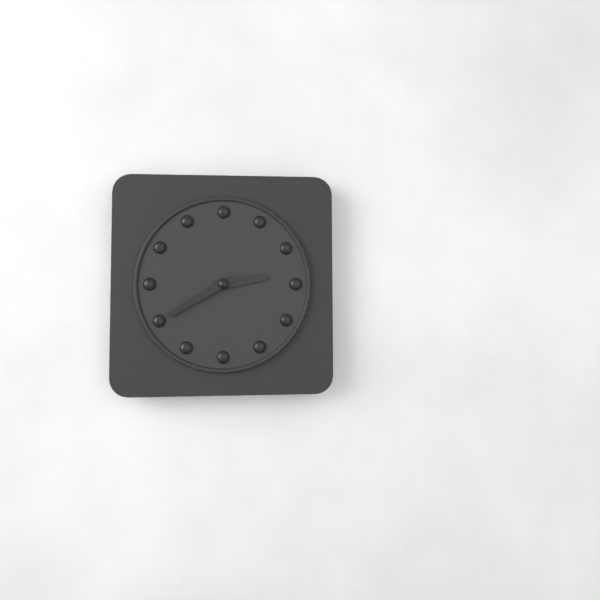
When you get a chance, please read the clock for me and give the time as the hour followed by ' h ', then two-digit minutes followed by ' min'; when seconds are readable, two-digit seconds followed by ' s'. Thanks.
2 h 40 min
